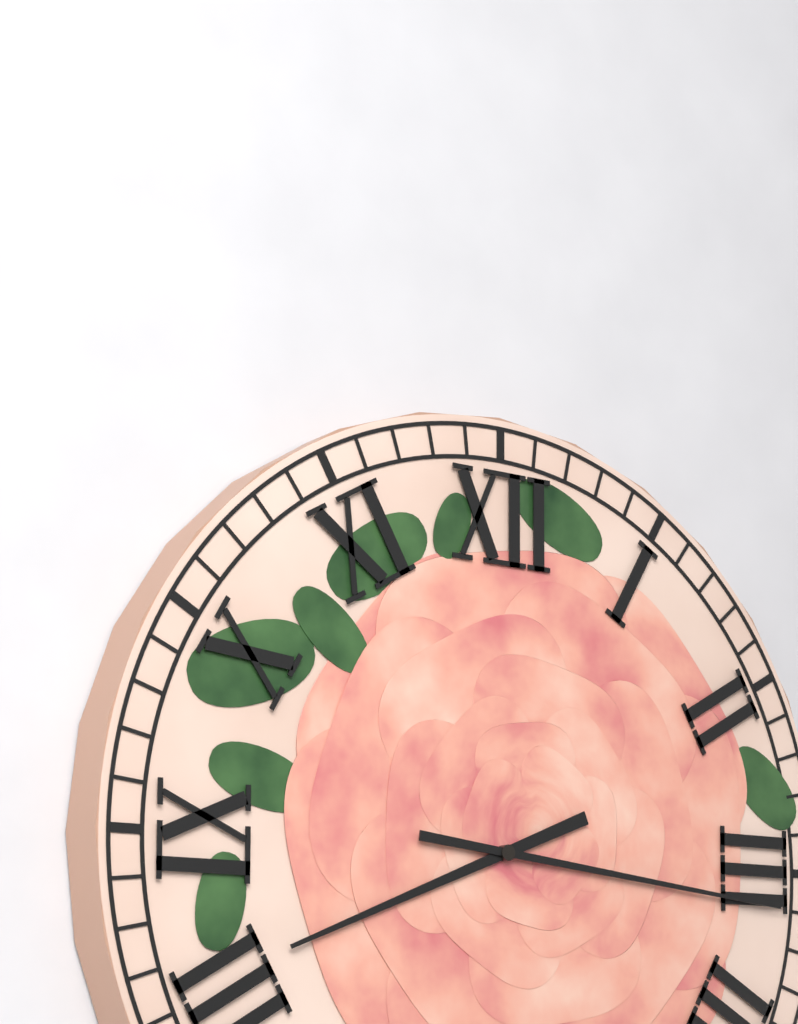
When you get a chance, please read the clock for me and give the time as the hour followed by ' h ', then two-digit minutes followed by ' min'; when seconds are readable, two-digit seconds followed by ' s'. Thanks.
8 h 16 min
